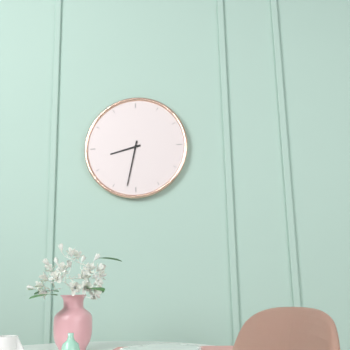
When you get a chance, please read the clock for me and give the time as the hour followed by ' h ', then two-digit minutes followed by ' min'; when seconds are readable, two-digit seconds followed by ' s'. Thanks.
8 h 32 min
